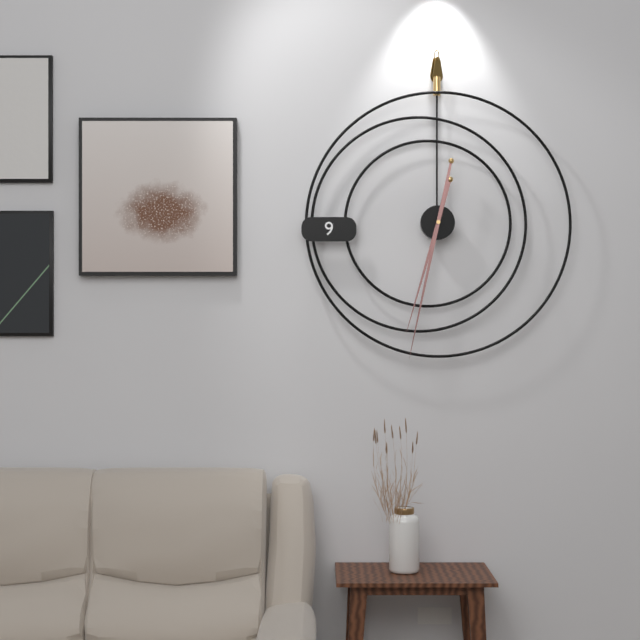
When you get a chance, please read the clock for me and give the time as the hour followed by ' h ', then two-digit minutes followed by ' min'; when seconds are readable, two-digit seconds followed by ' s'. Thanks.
6 h 32 min
